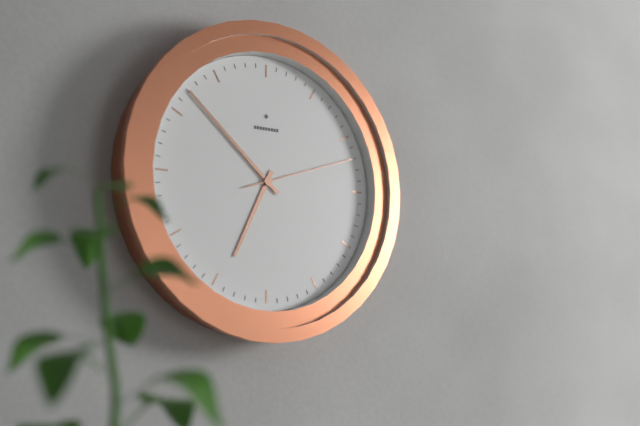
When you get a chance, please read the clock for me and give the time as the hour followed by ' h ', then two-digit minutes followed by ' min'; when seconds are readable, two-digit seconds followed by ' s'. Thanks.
6 h 52 min 12 s
